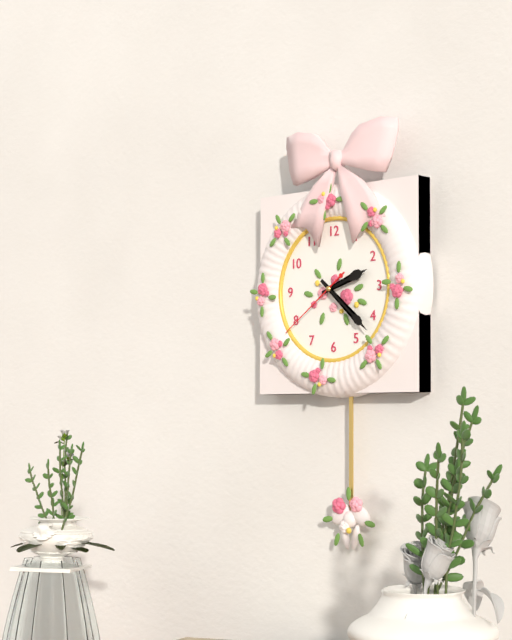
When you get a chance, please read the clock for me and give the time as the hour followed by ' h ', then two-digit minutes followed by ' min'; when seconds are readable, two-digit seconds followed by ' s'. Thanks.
2 h 22 min 39 s
